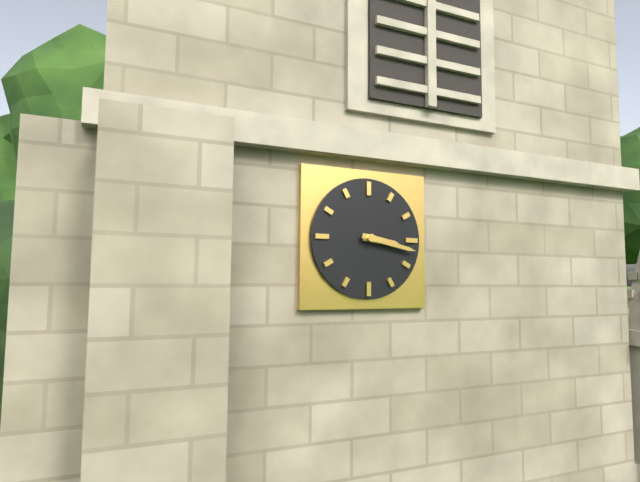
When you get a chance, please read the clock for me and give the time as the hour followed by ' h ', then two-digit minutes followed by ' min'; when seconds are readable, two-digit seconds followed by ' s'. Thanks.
3 h 17 min
